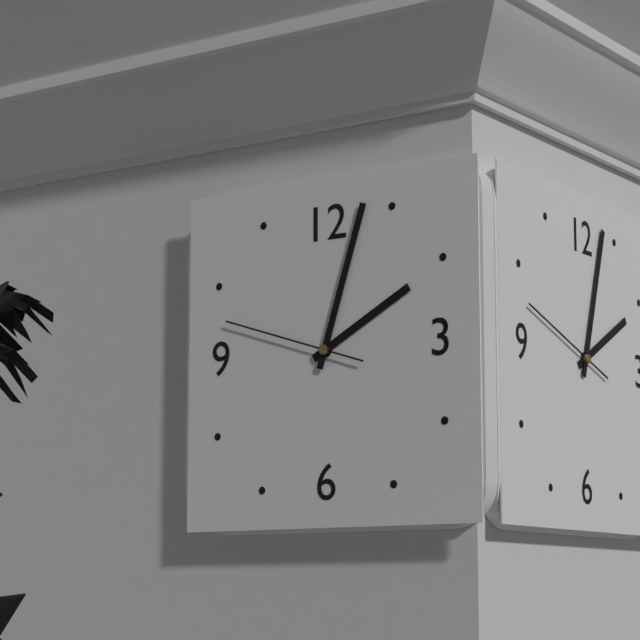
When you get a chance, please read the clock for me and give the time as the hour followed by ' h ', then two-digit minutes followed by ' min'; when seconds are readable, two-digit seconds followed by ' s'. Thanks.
2 h 03 min 48 s
